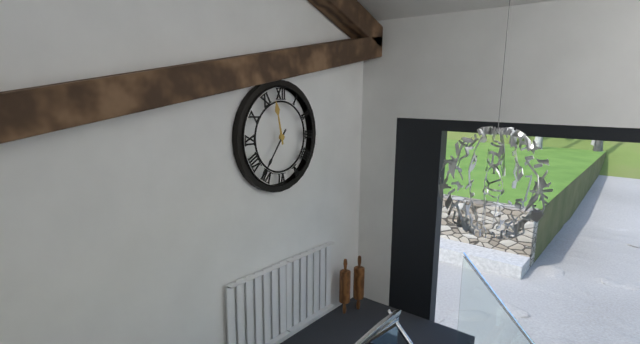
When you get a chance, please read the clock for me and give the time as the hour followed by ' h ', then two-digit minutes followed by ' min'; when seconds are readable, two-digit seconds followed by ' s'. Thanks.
11 h 36 min
